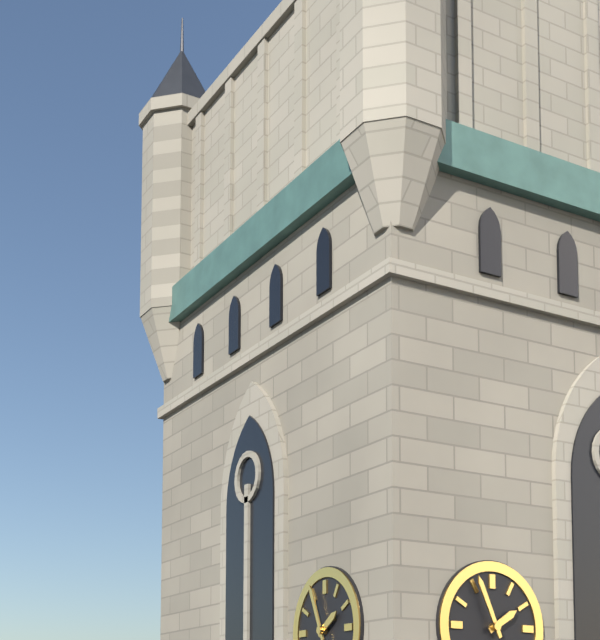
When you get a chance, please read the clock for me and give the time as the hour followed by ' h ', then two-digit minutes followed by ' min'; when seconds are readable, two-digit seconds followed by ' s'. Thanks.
1 h 56 min
